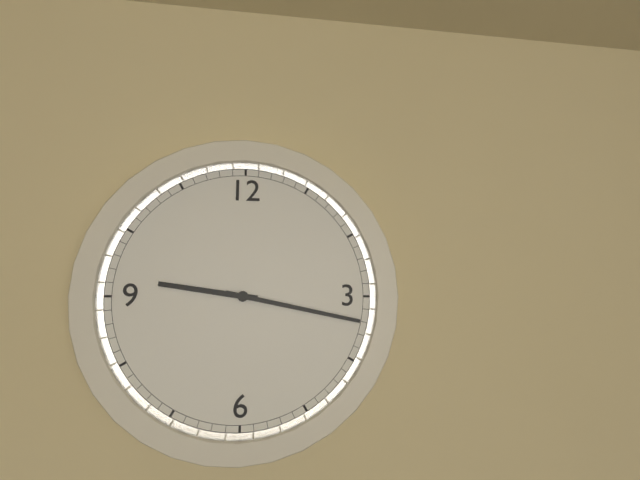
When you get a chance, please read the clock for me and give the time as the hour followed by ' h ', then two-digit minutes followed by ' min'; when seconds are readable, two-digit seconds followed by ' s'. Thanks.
9 h 17 min
